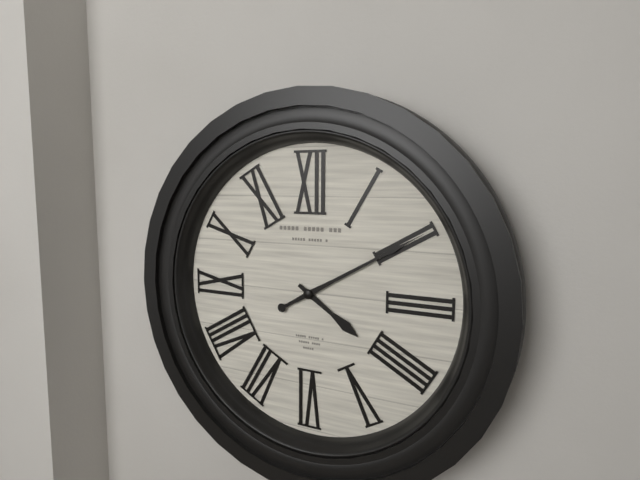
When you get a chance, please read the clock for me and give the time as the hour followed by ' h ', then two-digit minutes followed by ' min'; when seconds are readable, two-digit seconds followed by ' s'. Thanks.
4 h 10 min
